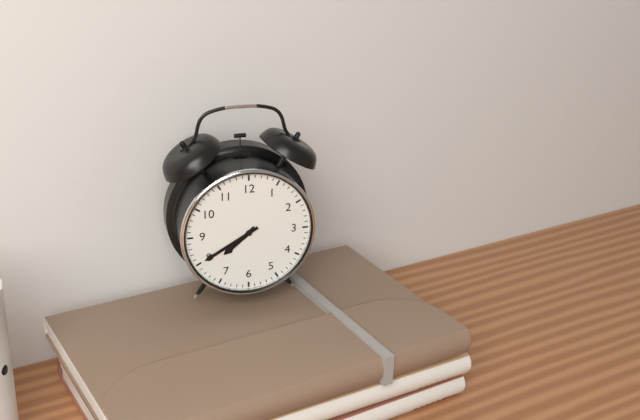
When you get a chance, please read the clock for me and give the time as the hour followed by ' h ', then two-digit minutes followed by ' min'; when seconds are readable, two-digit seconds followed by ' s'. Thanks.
7 h 40 min
